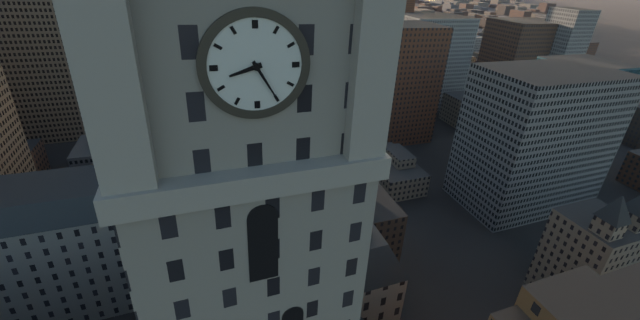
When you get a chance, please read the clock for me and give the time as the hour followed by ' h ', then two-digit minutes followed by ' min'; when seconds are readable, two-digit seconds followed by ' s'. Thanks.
8 h 25 min
